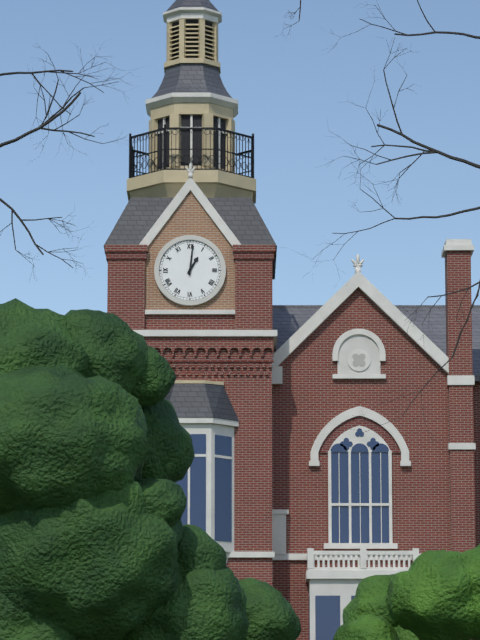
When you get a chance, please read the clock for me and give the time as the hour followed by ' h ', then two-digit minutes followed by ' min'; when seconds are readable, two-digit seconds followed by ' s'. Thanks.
1 h 01 min
